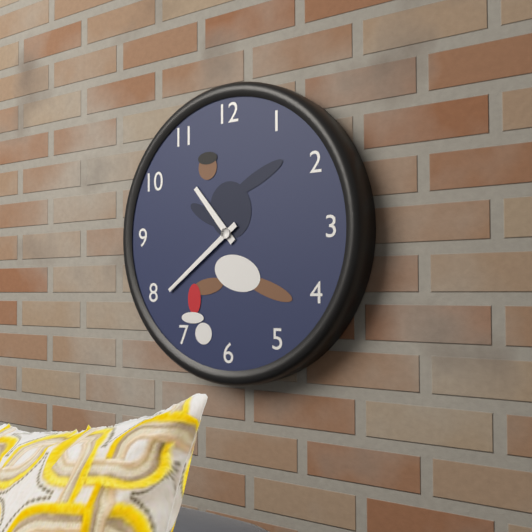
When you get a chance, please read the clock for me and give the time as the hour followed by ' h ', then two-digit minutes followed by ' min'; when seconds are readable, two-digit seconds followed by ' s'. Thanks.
10 h 39 min
